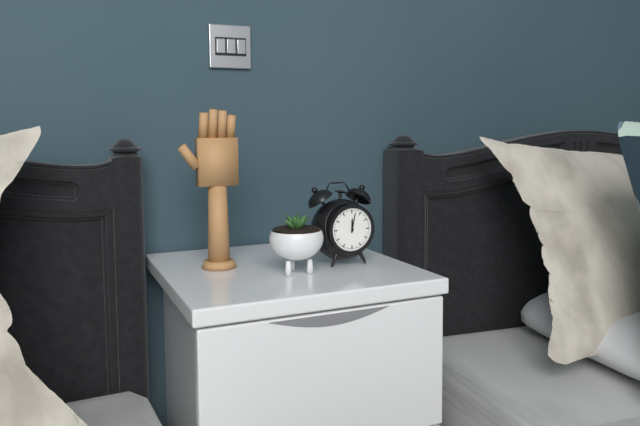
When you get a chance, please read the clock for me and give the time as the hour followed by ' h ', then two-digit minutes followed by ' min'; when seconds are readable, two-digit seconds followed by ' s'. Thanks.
12 h 02 min
